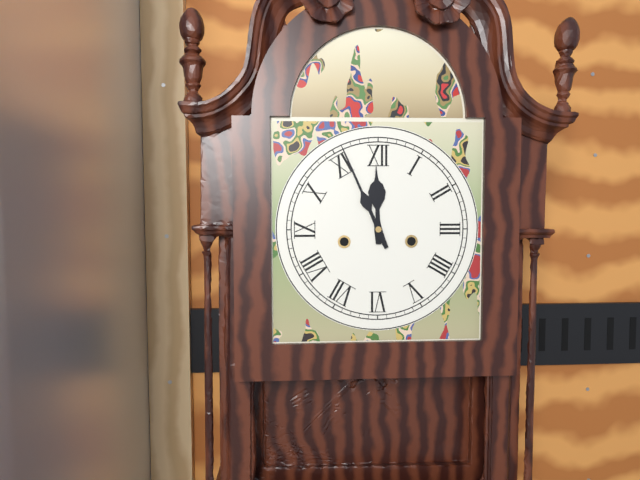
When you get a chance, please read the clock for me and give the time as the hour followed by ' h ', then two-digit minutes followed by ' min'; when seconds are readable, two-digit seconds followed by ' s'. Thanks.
11 h 56 min
